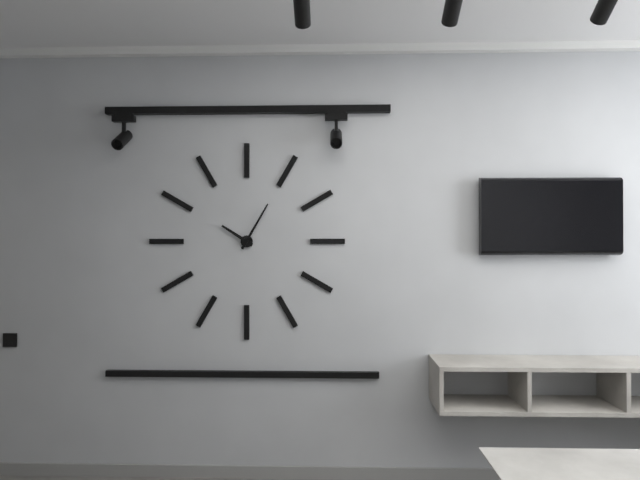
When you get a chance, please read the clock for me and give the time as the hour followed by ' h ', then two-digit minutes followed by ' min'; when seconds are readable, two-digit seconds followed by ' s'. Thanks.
10 h 05 min
